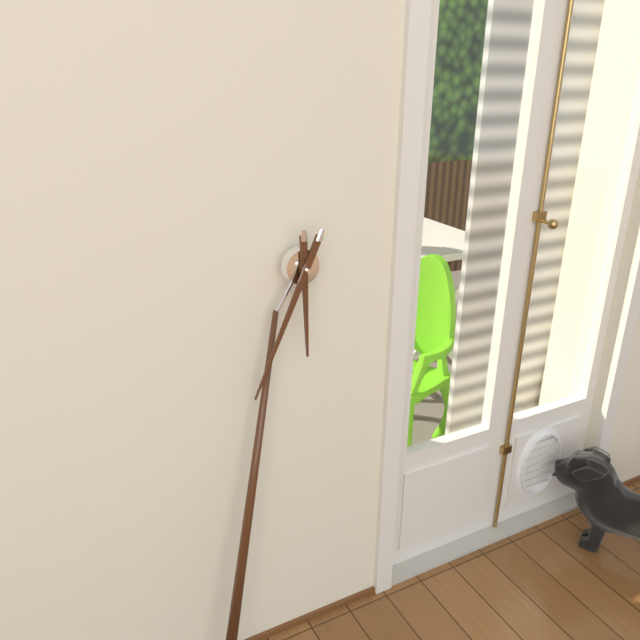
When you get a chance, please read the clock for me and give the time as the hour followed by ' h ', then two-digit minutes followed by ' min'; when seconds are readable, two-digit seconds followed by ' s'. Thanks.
5 h 32 min
